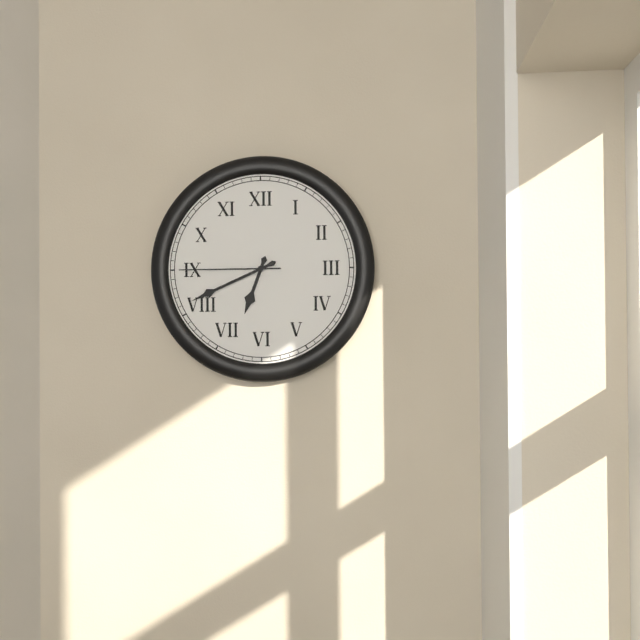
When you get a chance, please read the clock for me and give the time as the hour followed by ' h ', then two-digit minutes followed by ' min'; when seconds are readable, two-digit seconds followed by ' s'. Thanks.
6 h 41 min 45 s
